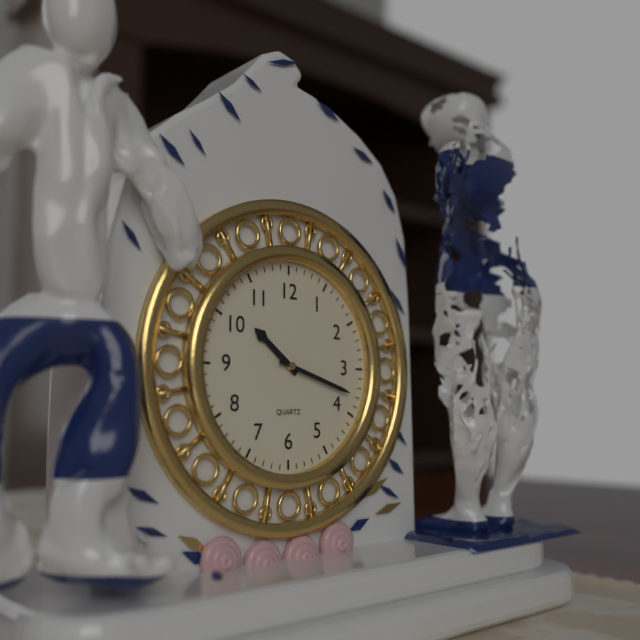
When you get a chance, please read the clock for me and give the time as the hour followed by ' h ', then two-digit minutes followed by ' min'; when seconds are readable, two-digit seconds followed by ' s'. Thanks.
10 h 18 min
